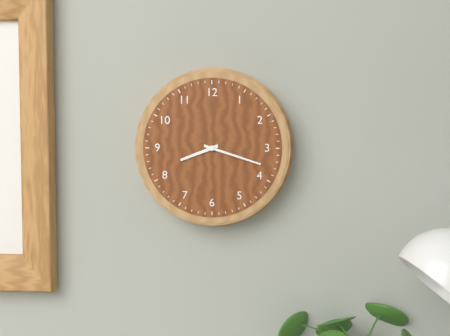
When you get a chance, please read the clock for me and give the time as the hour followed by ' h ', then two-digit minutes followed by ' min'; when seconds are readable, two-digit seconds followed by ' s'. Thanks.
8 h 18 min
